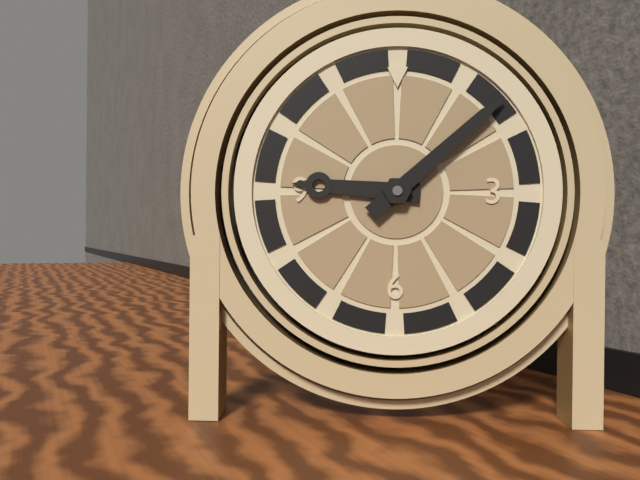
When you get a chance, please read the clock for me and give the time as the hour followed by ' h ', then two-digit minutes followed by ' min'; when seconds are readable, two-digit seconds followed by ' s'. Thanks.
9 h 08 min
